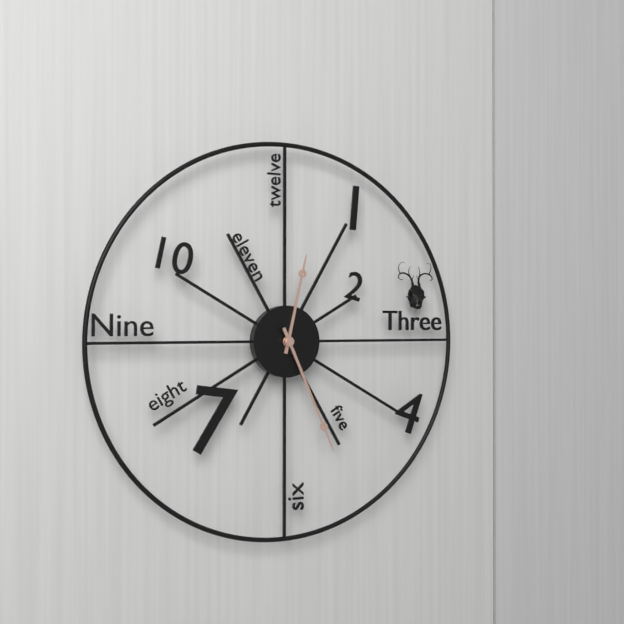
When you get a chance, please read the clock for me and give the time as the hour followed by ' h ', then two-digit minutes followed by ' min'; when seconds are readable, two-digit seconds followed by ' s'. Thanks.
12 h 26 min
